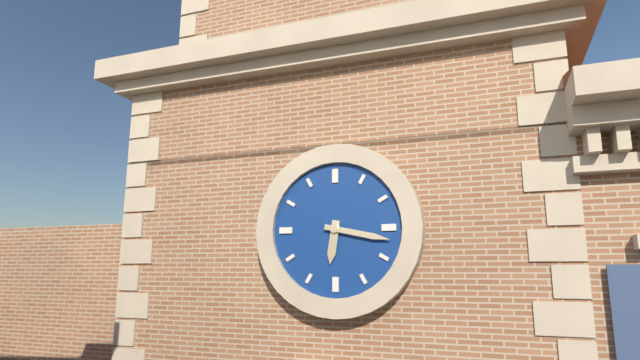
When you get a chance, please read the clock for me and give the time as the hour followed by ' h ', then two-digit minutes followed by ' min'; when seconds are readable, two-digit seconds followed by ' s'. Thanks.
6 h 17 min
